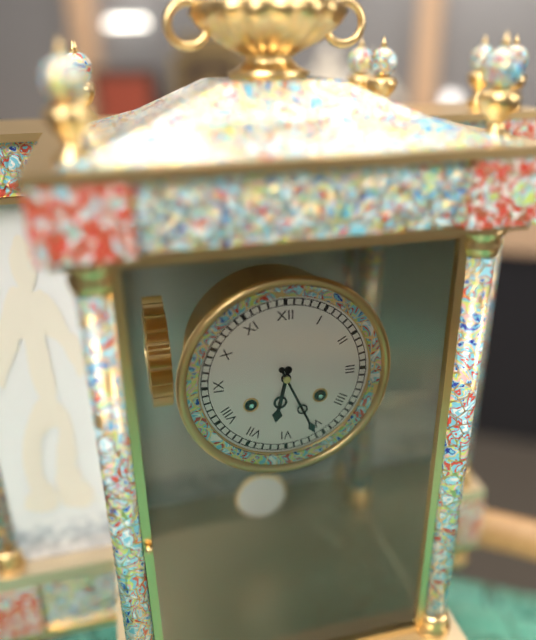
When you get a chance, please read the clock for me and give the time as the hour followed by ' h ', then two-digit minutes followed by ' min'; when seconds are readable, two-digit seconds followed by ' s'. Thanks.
6 h 26 min
